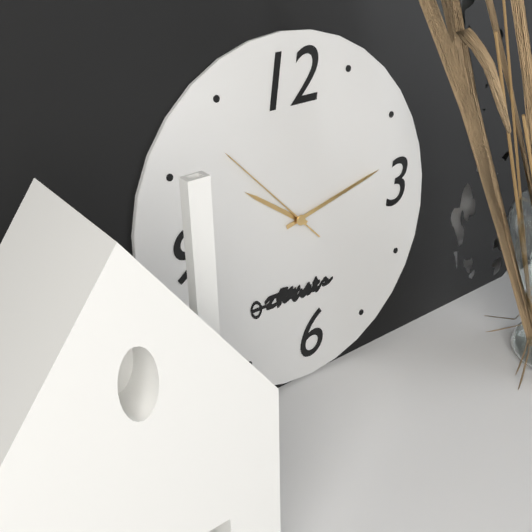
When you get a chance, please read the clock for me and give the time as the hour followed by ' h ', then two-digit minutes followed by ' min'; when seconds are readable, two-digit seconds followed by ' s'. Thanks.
10 h 13 min 53 s
